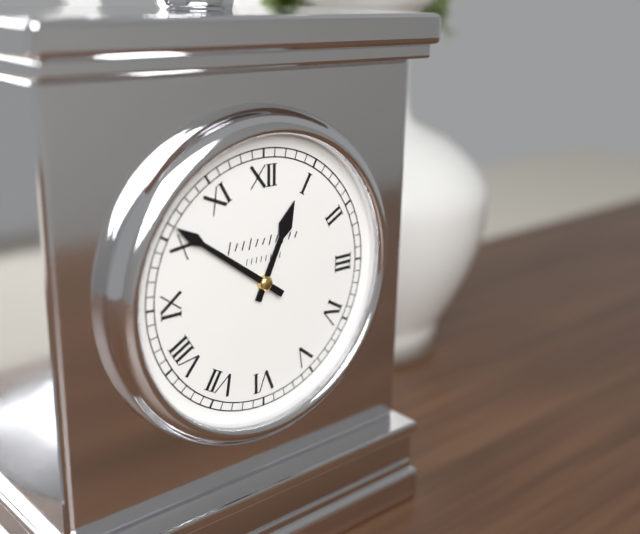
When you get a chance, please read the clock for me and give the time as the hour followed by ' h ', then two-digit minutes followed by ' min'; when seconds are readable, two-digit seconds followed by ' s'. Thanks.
12 h 51 min
